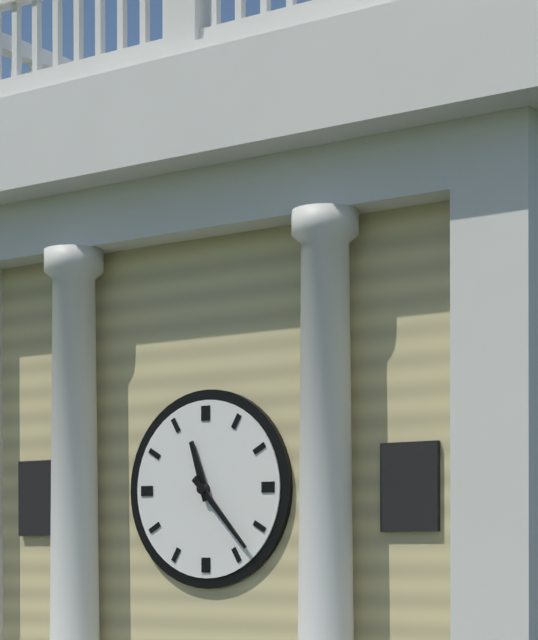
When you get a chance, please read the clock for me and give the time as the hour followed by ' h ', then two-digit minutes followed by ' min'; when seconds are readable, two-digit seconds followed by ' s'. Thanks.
11 h 23 min
